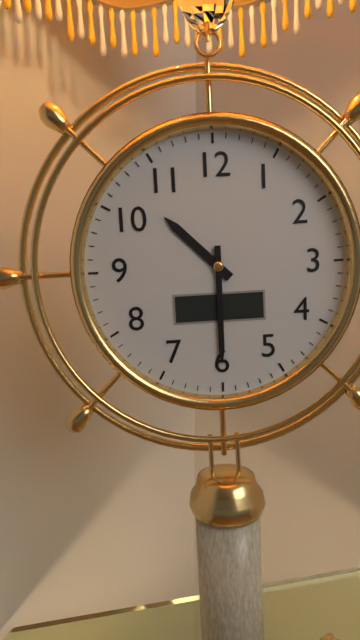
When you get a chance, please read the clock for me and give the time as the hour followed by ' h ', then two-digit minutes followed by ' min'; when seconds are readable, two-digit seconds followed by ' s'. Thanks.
10 h 30 min
